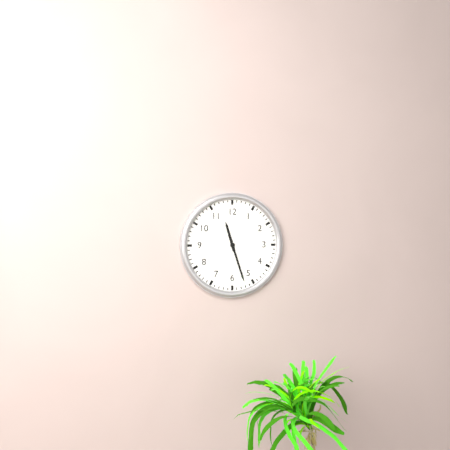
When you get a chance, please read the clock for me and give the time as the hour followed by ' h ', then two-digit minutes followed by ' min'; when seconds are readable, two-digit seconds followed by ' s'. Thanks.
11 h 27 min
